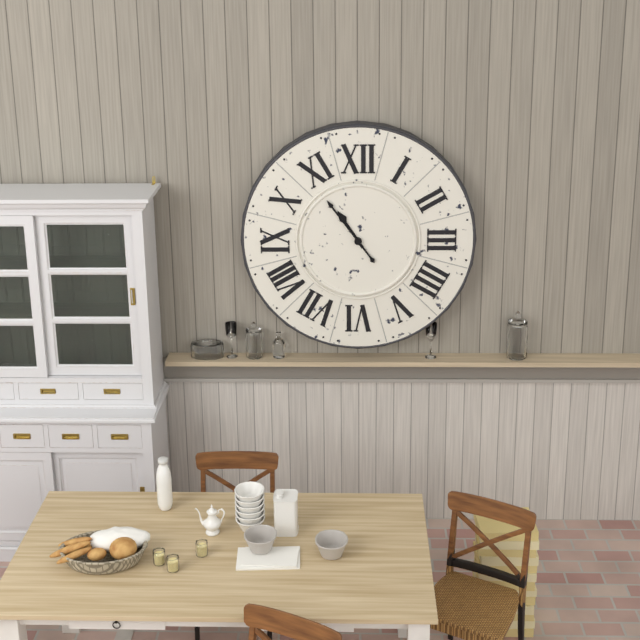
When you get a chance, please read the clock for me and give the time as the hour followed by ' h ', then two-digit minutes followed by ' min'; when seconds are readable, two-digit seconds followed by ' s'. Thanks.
10 h 54 min
